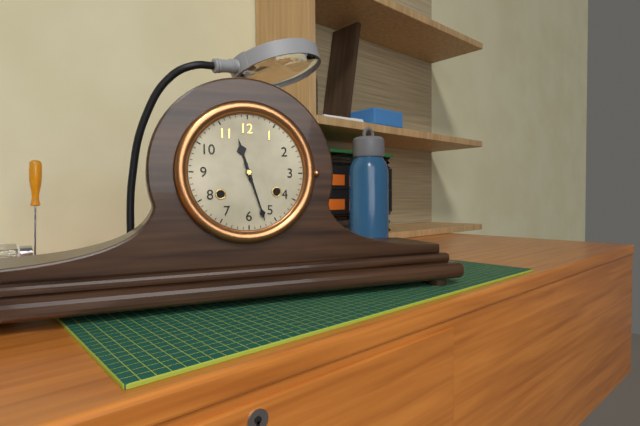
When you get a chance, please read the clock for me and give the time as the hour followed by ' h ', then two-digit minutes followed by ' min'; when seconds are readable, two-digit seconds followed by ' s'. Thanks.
11 h 27 min
